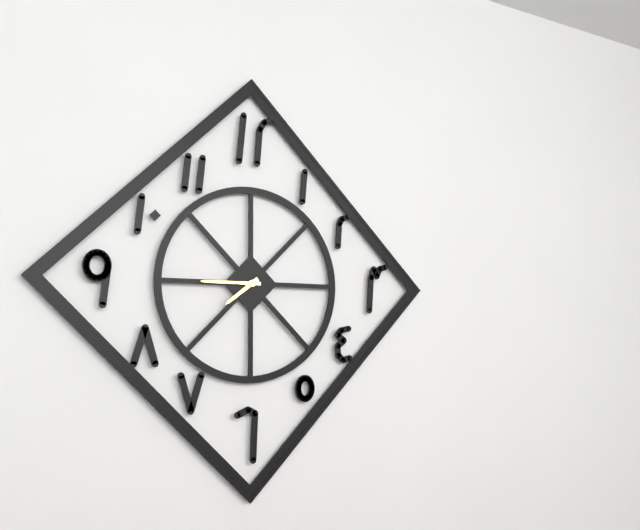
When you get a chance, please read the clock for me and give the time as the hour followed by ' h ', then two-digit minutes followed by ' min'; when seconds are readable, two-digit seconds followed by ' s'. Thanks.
7 h 45 min
